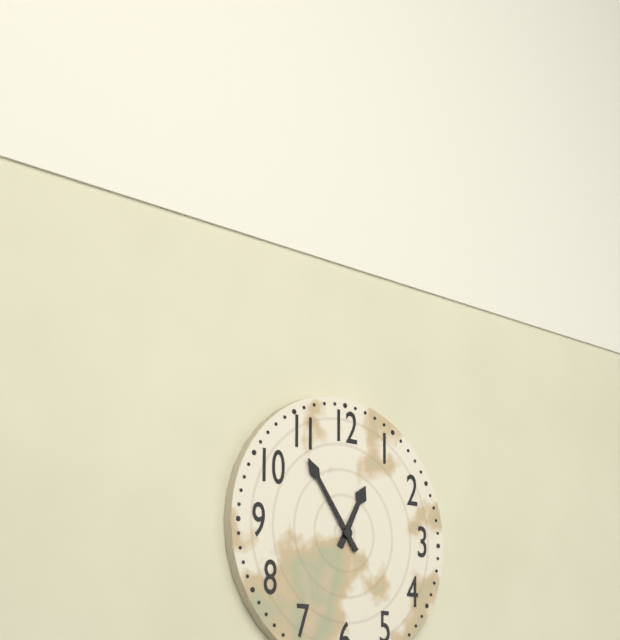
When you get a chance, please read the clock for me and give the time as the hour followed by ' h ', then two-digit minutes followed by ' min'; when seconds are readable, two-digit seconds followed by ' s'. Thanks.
12 h 54 min
